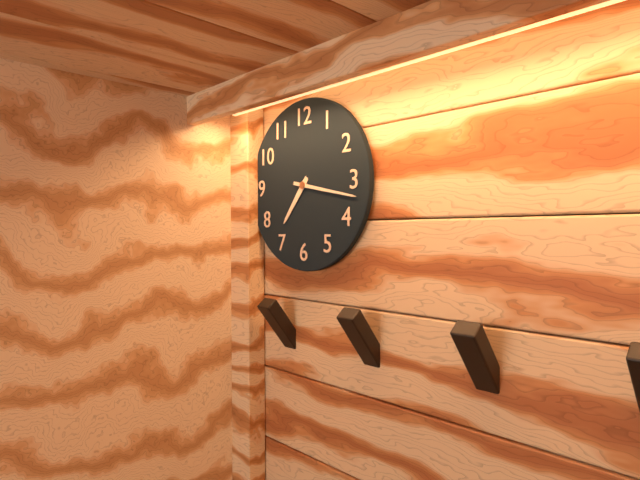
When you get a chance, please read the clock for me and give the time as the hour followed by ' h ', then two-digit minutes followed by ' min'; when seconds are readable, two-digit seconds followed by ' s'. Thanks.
7 h 17 min
